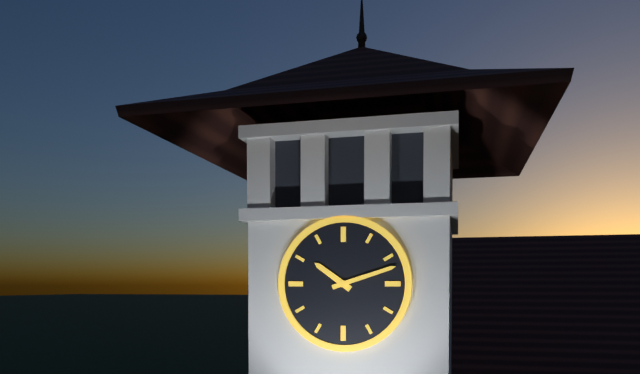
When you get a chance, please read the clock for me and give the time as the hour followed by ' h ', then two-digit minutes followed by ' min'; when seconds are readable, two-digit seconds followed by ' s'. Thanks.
10 h 12 min
